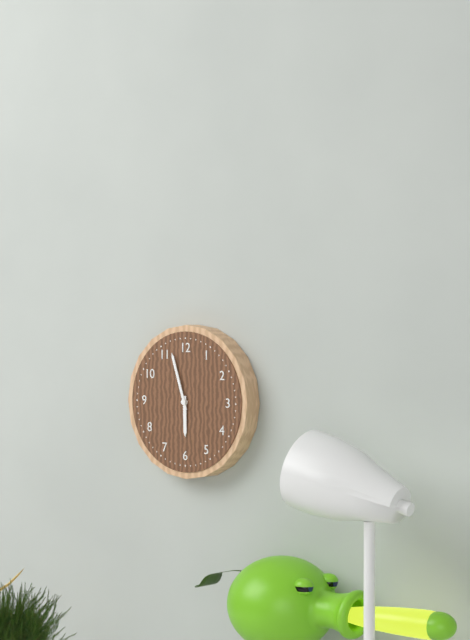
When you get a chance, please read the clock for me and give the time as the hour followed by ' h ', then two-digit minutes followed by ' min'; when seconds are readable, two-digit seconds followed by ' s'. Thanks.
5 h 57 min
